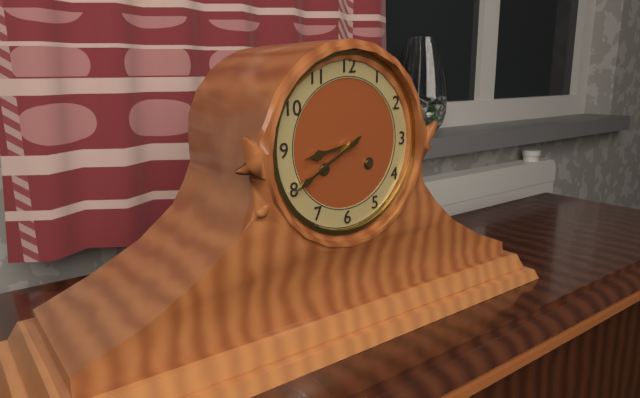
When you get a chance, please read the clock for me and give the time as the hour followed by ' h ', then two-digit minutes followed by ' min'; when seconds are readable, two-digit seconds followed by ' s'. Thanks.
8 h 40 min
